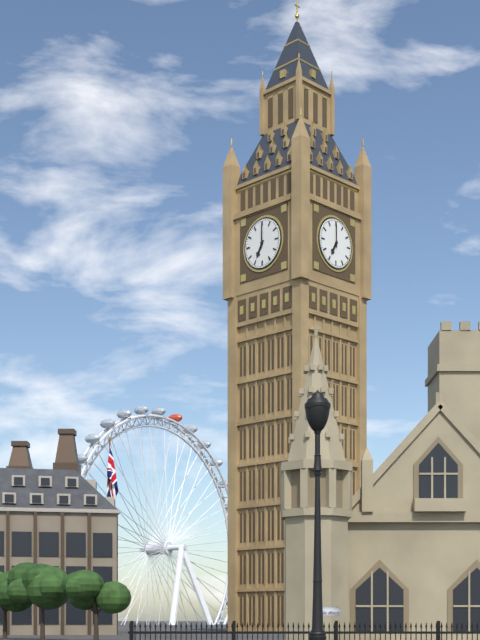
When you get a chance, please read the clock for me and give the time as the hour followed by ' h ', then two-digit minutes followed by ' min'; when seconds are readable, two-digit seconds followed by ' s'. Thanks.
7 h 00 min
